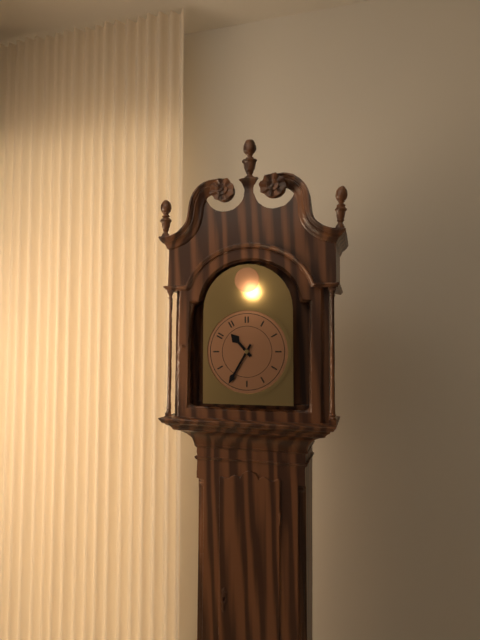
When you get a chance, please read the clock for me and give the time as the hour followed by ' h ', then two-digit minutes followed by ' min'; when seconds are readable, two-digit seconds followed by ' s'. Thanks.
10 h 35 min
